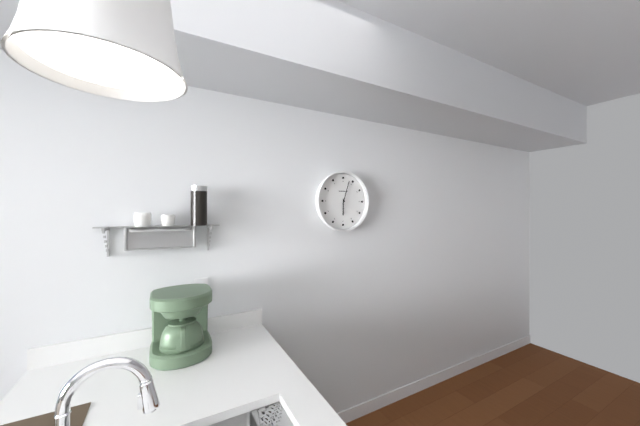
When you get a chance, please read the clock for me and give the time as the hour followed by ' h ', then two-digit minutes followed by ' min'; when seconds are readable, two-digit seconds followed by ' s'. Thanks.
6 h 03 min
